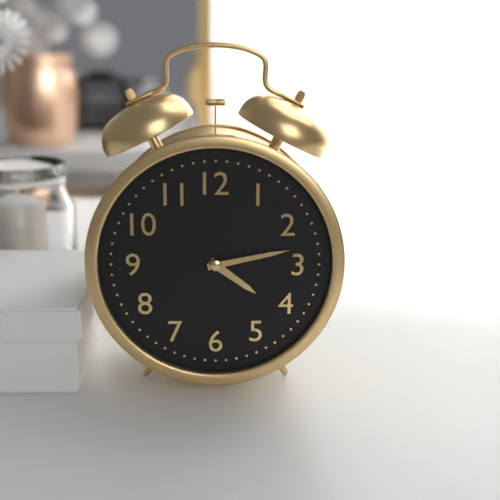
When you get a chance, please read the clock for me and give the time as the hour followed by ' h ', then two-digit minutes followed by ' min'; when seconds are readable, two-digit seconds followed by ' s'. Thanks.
4 h 13 min
